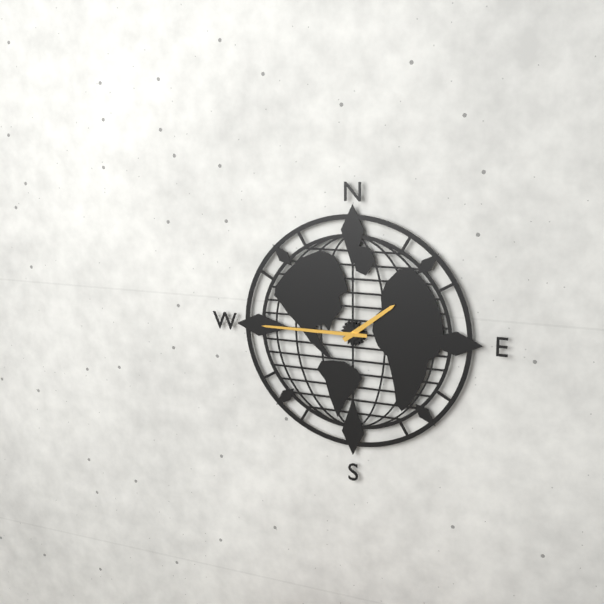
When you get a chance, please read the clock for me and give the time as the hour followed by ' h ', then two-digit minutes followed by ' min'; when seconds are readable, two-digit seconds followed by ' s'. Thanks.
1 h 45 min
